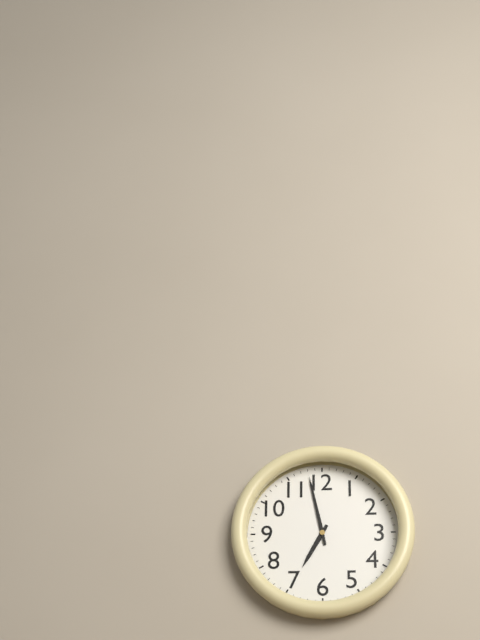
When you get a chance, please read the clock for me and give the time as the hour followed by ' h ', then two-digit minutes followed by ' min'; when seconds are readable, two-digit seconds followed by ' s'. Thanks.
6 h 58 min
